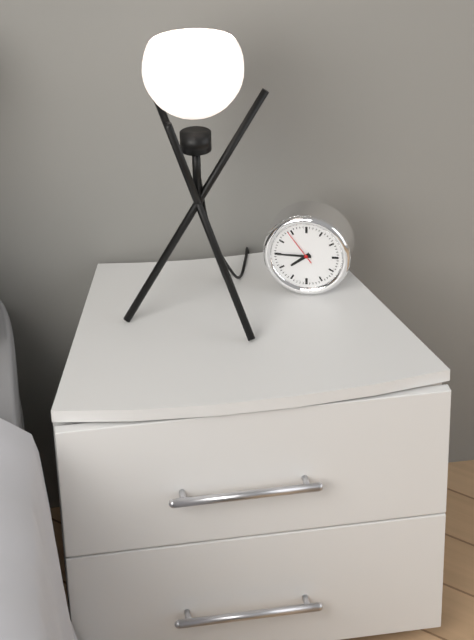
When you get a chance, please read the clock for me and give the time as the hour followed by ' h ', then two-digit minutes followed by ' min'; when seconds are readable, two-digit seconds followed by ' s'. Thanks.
7 h 45 min
